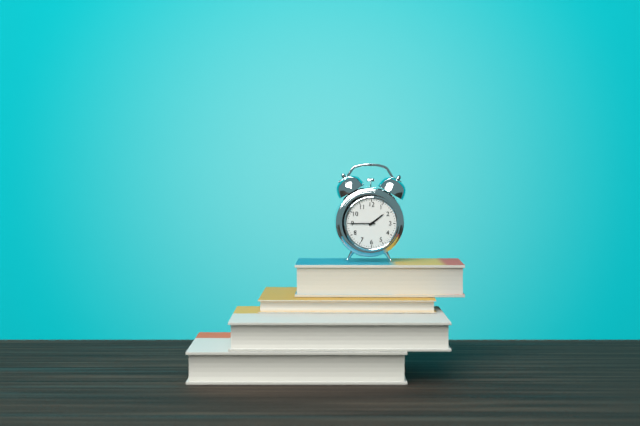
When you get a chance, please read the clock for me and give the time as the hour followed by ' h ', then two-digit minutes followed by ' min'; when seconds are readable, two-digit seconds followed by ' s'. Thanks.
1 h 45 min
